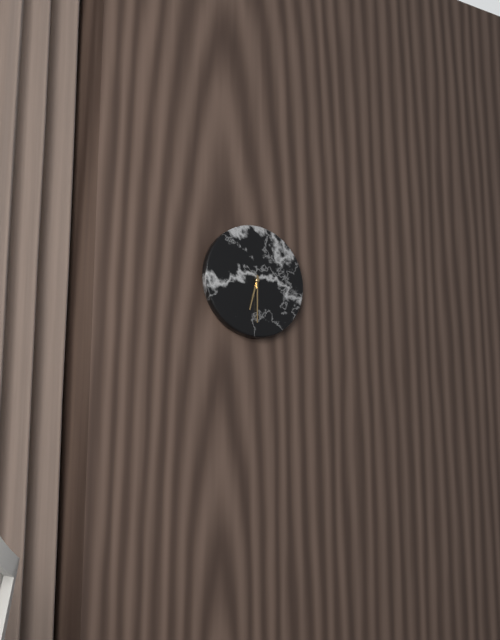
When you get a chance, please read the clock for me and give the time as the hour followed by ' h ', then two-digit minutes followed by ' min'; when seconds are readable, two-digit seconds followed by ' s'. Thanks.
6 h 30 min
